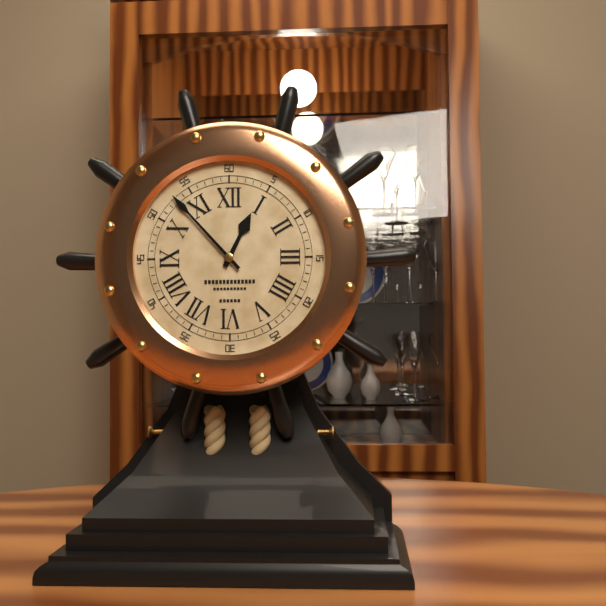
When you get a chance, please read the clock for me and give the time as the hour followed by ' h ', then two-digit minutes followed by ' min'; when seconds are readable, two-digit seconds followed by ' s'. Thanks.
12 h 53 min
